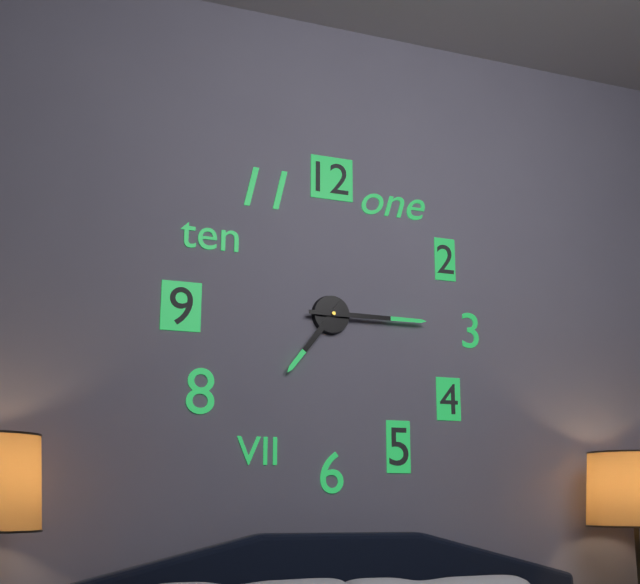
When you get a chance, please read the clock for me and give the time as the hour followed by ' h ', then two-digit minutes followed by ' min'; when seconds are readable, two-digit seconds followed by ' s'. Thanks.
7 h 15 min
